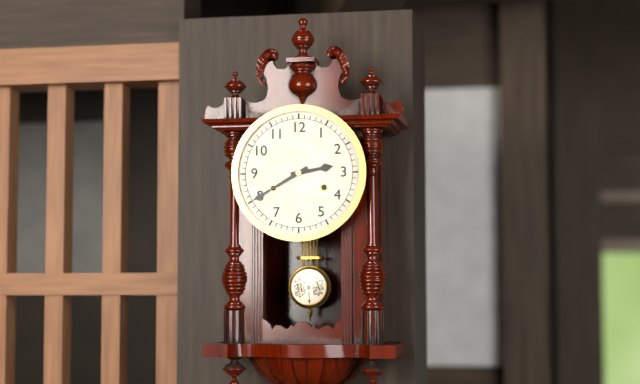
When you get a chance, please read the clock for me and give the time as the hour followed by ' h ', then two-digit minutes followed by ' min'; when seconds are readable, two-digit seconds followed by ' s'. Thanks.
2 h 40 min
